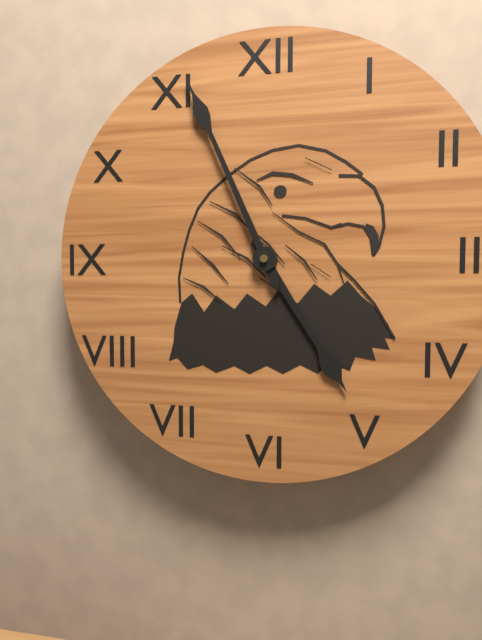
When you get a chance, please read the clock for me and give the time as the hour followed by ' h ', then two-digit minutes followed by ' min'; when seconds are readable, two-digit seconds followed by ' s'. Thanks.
4 h 56 min
